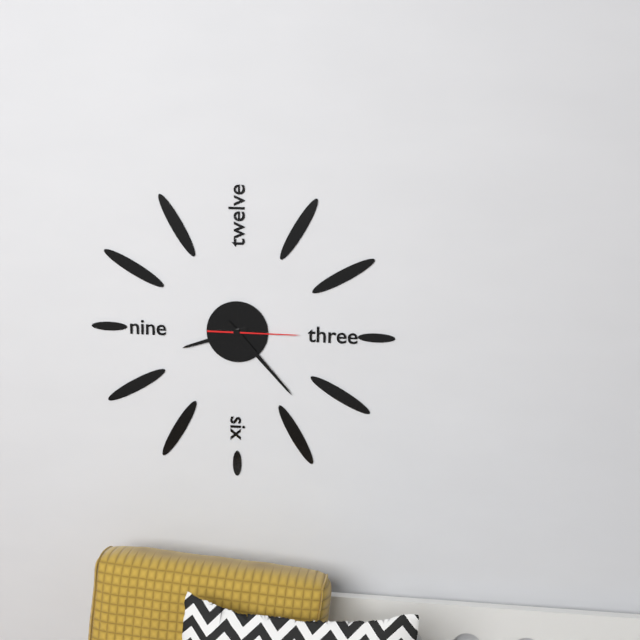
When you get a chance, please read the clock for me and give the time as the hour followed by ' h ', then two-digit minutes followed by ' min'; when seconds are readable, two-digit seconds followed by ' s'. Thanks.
8 h 23 min 15 s
